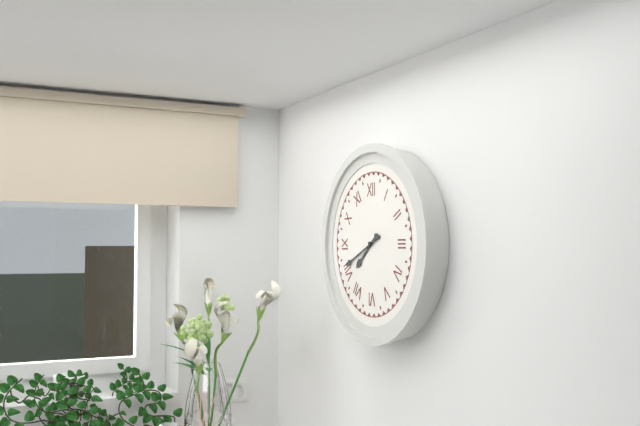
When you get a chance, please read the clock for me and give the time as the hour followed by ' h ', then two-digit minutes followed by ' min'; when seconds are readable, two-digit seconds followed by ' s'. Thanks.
7 h 41 min
